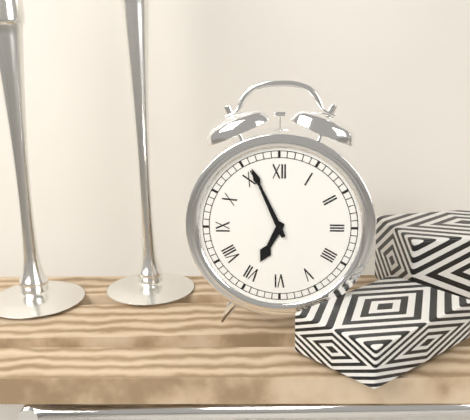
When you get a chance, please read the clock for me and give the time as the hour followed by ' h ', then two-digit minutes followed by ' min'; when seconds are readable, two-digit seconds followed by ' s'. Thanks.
6 h 56 min
